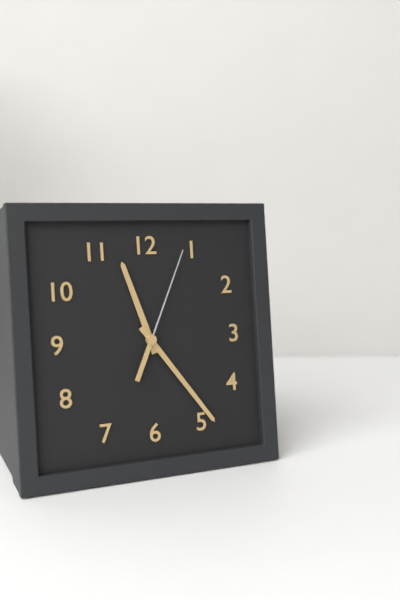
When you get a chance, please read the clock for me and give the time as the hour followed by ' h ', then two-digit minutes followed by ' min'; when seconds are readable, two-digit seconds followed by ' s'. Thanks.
11 h 24 min 04 s
